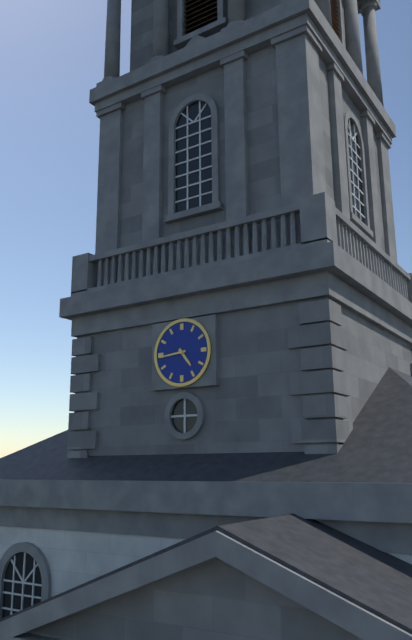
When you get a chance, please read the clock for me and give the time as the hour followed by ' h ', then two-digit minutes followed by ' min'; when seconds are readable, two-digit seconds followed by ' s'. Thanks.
4 h 44 min
